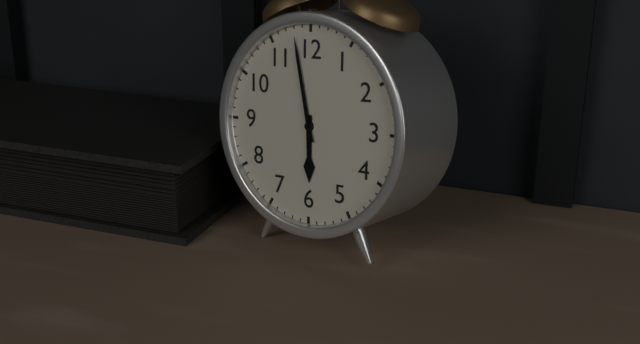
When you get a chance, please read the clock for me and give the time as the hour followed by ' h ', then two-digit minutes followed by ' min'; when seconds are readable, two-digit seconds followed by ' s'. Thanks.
5 h 58 min
